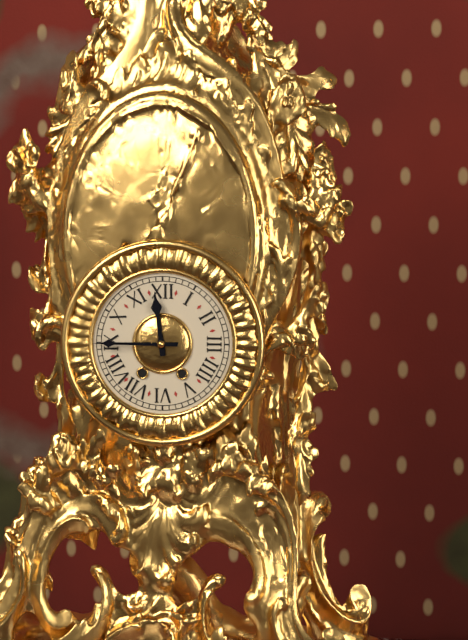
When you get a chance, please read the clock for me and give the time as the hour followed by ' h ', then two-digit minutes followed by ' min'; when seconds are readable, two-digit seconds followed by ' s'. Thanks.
11 h 45 min
